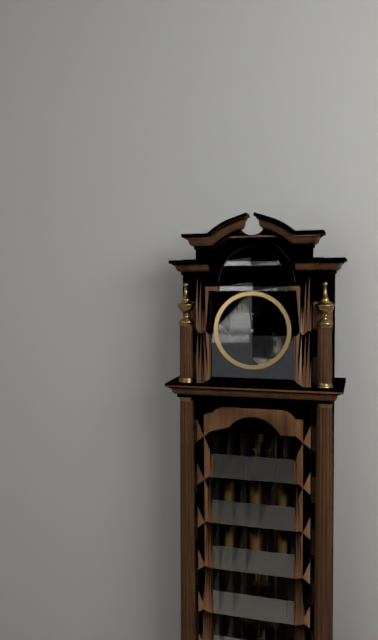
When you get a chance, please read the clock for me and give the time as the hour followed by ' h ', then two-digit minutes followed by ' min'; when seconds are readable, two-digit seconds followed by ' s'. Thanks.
1 h 59 min
